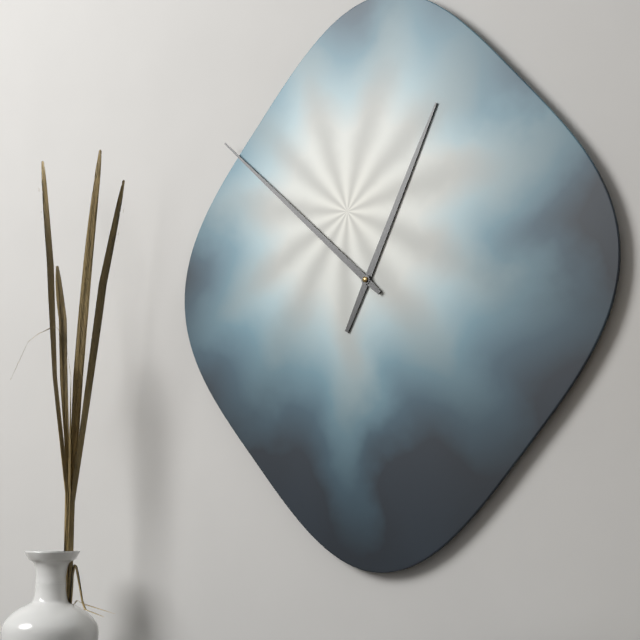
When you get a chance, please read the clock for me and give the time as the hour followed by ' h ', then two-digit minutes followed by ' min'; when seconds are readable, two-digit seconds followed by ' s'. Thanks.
12 h 52 min
